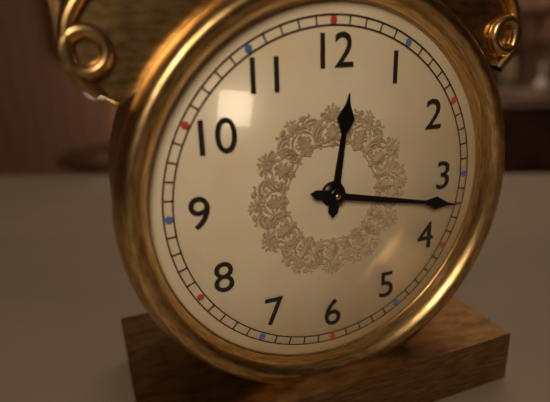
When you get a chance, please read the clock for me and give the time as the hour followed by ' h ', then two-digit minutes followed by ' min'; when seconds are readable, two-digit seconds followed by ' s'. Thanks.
12 h 17 min
